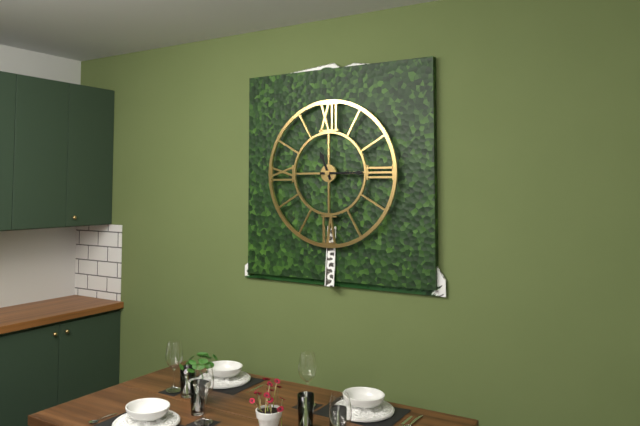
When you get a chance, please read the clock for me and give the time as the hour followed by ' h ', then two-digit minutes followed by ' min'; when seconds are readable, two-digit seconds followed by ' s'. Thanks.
11 h 15 min
